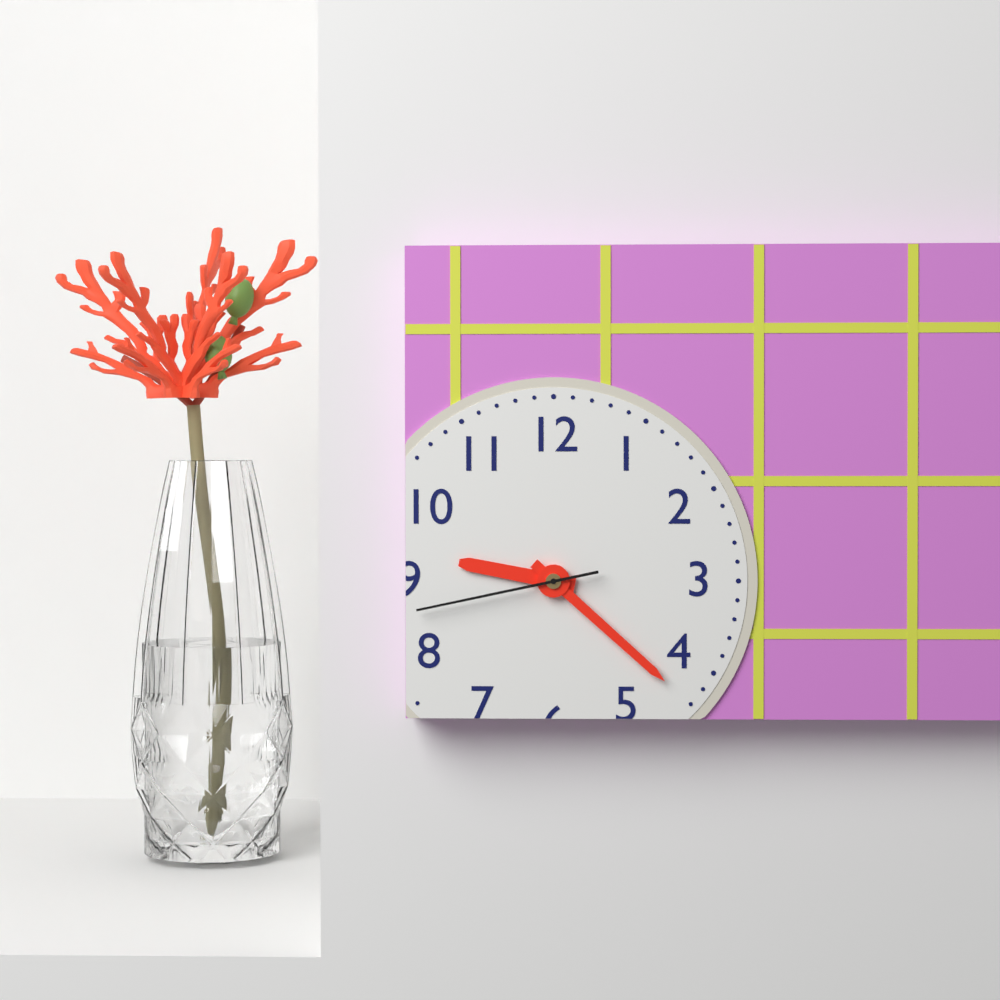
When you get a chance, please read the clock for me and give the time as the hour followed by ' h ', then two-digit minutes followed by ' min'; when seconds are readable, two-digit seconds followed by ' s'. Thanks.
9 h 22 min 43 s
